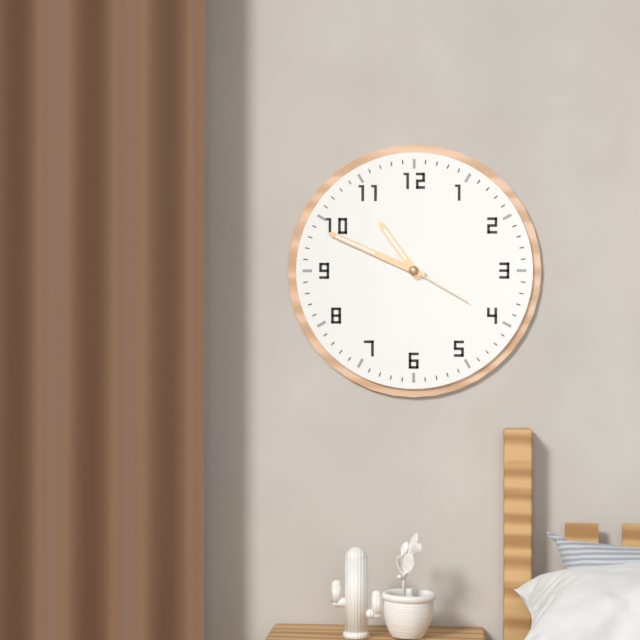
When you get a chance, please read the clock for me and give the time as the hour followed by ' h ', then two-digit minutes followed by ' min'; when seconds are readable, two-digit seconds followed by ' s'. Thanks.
10 h 49 min 20 s
